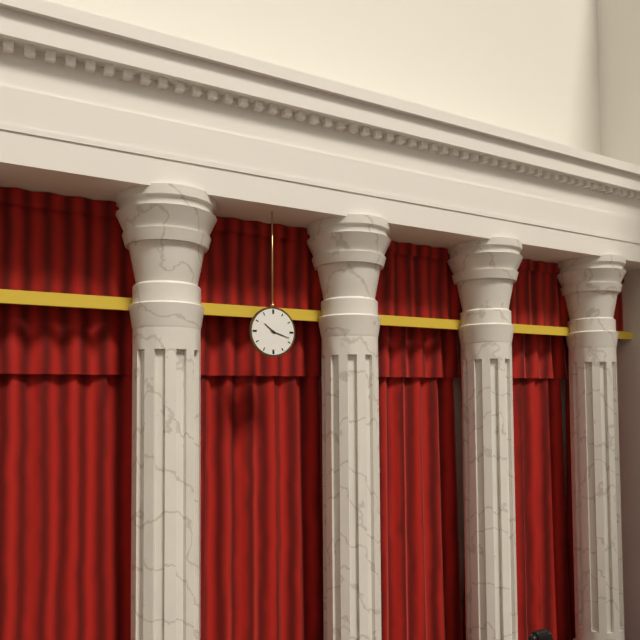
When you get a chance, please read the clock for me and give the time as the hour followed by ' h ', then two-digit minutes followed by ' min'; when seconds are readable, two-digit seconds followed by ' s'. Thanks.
10 h 18 min
